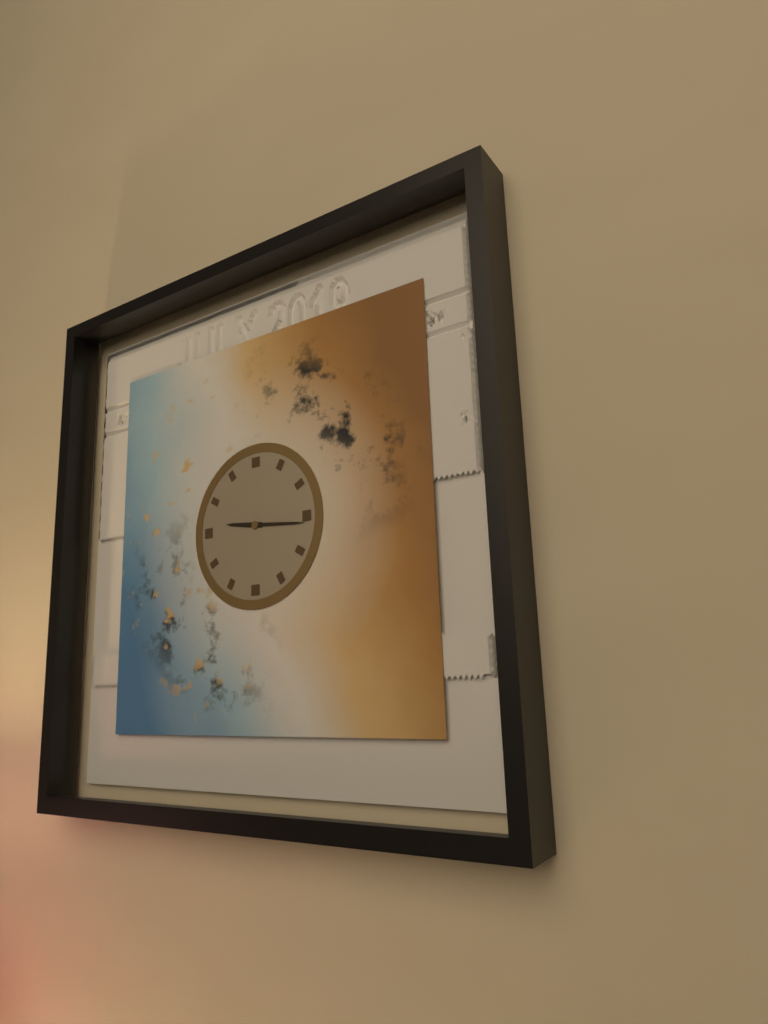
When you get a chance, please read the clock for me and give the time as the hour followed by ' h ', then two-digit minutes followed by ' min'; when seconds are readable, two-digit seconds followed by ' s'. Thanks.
9 h 16 min
